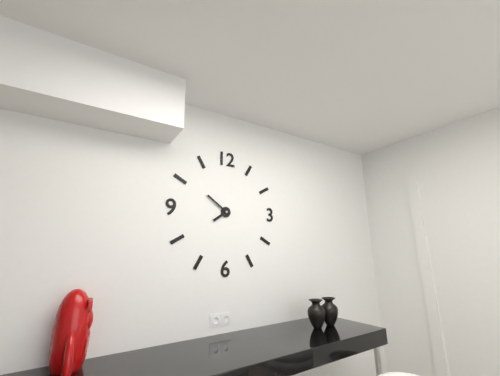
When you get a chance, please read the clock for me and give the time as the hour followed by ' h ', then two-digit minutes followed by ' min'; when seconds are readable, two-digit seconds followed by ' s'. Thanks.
7 h 51 min
